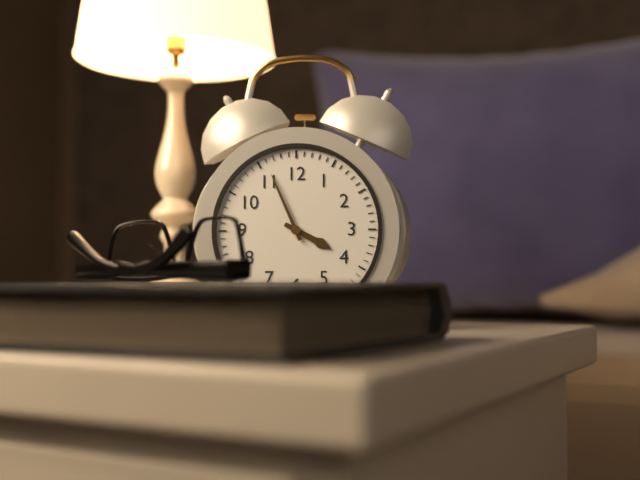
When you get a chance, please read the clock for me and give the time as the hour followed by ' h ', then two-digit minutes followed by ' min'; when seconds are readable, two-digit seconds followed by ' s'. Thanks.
3 h 56 min
